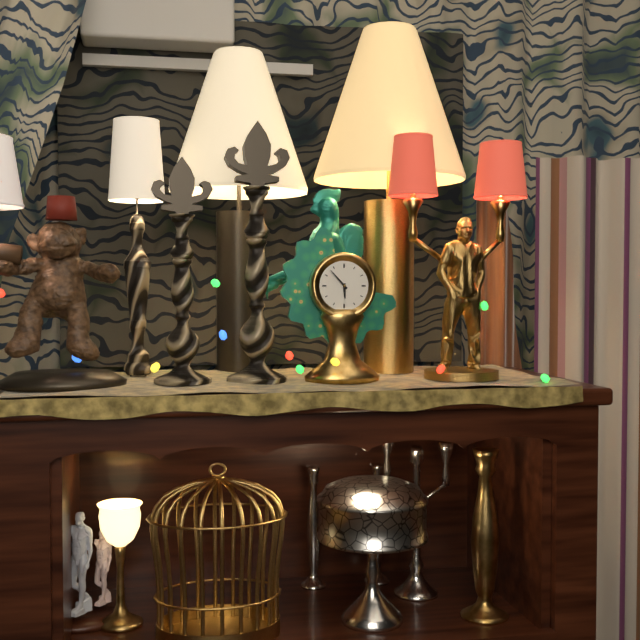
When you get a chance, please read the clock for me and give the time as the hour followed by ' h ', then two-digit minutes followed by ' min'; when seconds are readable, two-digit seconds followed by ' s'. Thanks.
5 h 53 min
